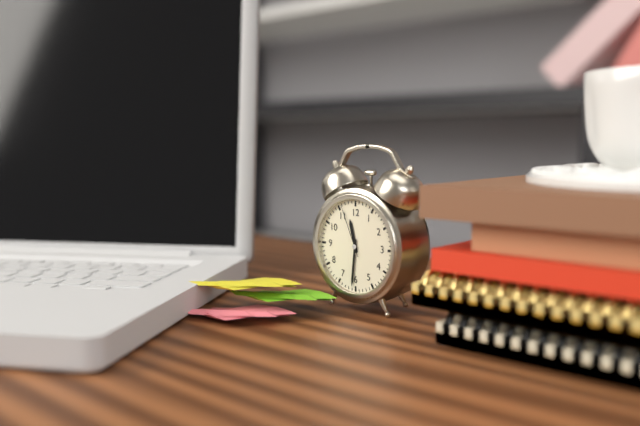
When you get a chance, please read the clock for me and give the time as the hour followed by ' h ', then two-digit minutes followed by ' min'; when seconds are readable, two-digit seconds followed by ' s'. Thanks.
11 h 31 min 56 s
